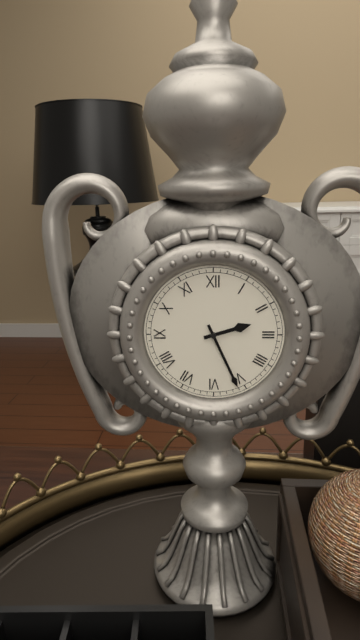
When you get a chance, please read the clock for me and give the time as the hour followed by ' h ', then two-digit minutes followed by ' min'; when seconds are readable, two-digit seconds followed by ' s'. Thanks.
2 h 26 min
